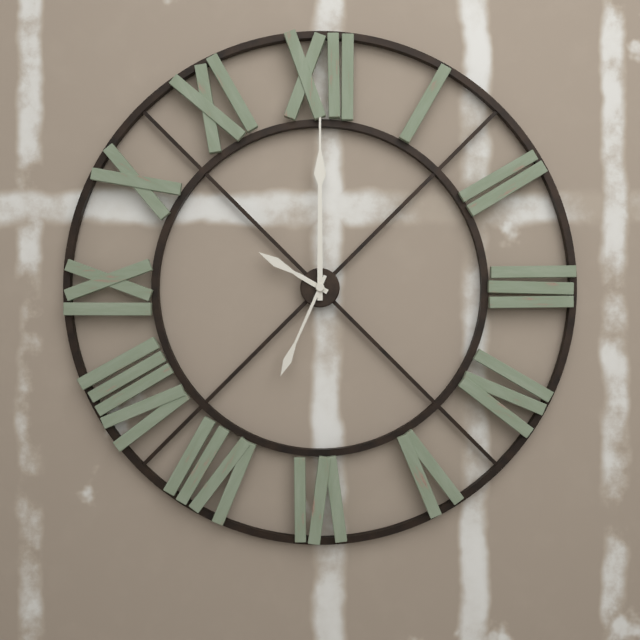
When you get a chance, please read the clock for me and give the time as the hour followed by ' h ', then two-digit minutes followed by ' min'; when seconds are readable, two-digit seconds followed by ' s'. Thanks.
10 h 00 min 34 s
